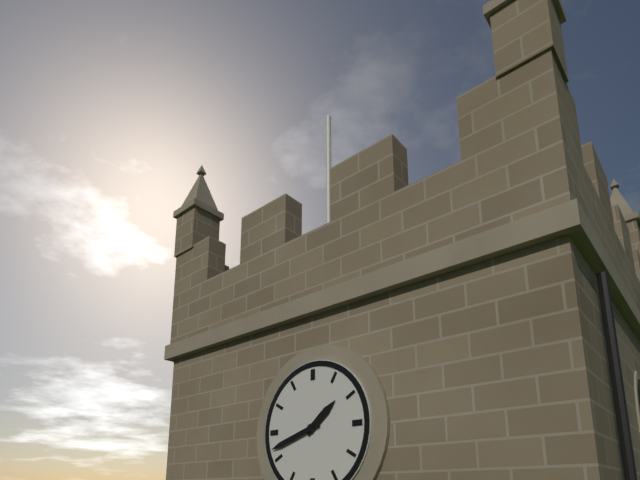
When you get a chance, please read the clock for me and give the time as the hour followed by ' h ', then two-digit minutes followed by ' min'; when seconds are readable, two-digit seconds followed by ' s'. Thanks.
1 h 42 min
